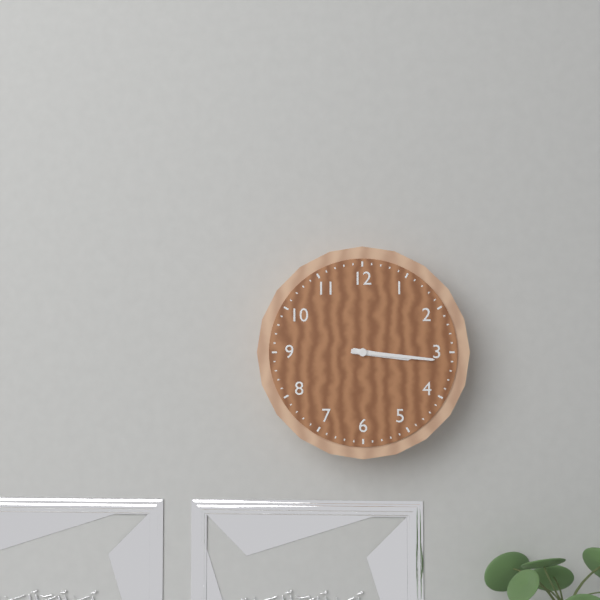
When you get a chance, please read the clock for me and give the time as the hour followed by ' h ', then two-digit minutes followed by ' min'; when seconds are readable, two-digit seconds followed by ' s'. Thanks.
3 h 16 min
